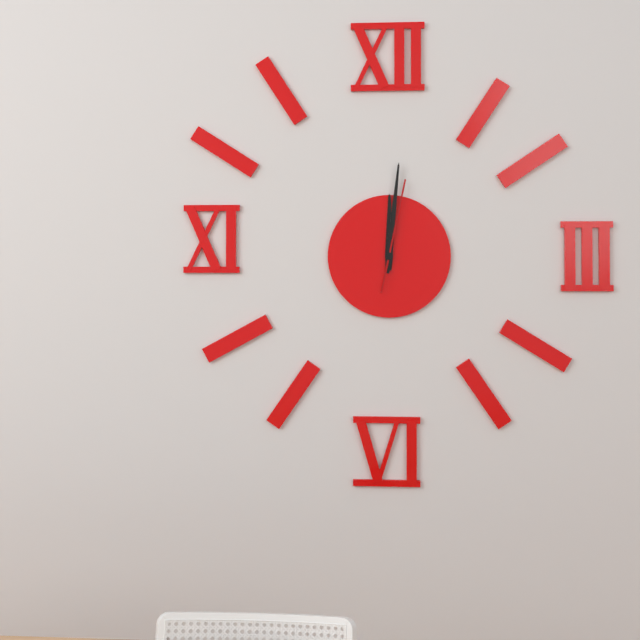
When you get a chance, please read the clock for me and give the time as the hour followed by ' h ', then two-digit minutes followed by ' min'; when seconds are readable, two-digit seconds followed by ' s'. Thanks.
12 h 01 min 02 s
